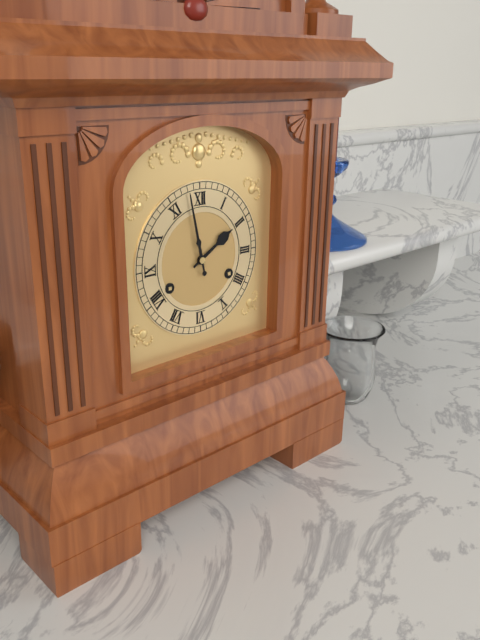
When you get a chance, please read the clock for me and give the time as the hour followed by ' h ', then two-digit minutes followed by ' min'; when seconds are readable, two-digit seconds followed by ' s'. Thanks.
1 h 58 min
